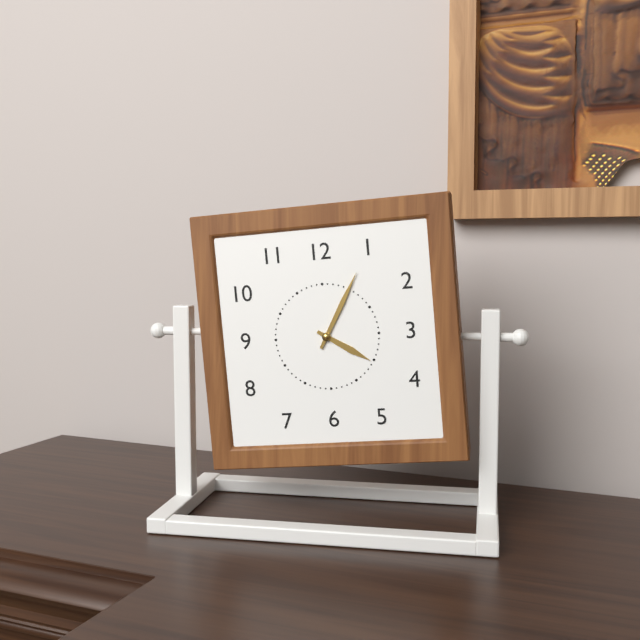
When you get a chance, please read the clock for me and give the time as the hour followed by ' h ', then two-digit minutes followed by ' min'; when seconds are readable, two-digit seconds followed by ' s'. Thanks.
4 h 05 min
